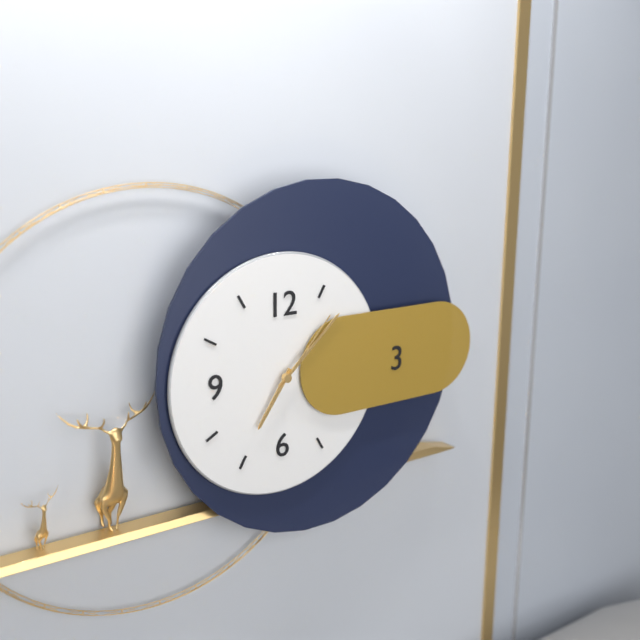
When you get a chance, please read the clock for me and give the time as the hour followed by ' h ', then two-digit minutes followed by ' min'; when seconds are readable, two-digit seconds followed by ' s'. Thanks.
7 h 08 min 07 s
